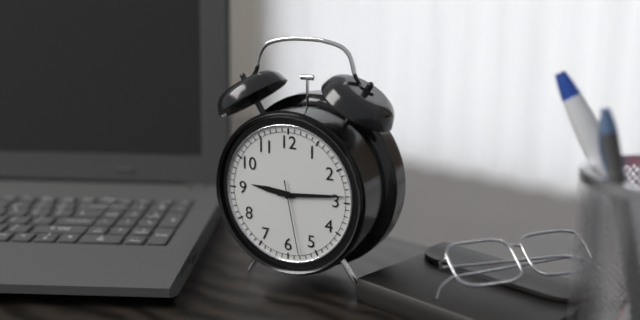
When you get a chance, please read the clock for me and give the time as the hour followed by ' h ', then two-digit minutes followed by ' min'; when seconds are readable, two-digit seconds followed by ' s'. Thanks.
9 h 14 min 28 s
